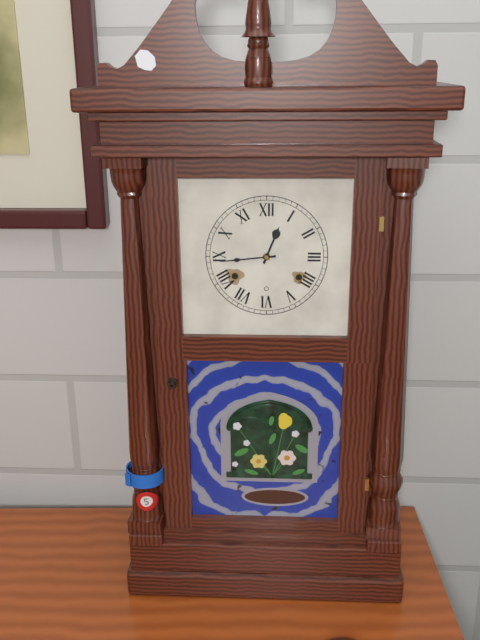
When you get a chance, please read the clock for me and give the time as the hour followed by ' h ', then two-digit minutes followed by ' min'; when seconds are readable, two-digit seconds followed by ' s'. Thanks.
12 h 44 min
